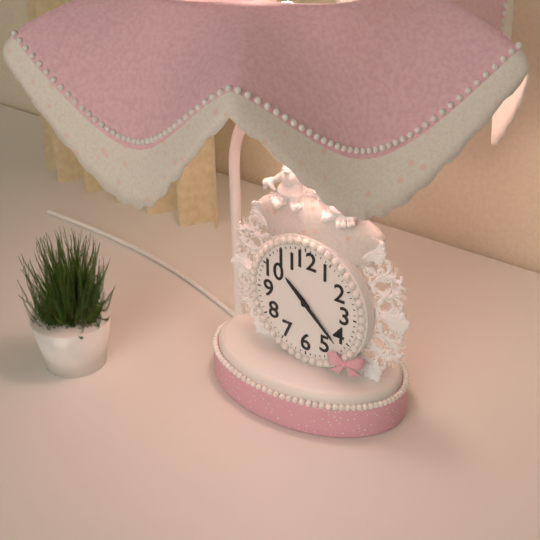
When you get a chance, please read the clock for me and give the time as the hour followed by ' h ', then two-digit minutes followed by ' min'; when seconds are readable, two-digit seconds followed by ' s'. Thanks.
10 h 22 min
